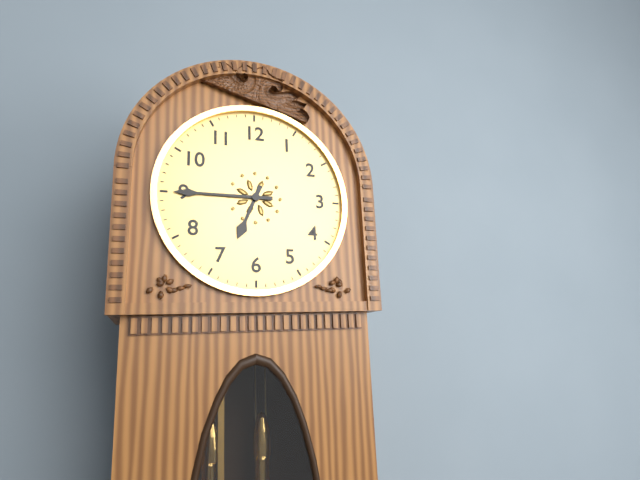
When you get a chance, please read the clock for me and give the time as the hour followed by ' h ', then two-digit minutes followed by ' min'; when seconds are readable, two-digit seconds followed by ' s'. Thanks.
6 h 45 min
